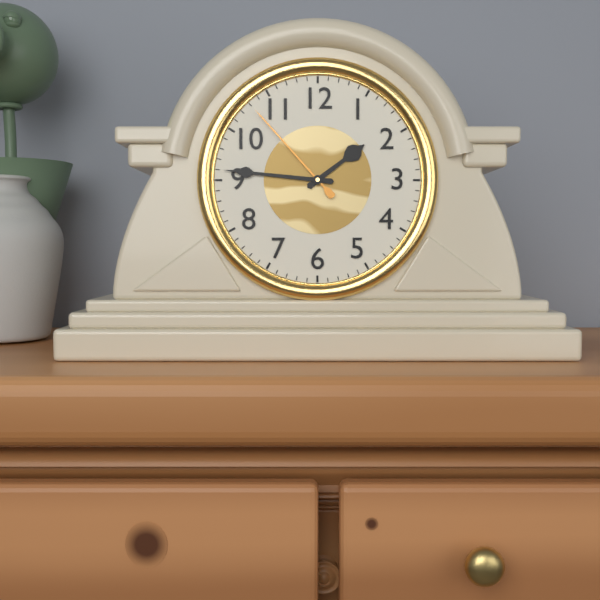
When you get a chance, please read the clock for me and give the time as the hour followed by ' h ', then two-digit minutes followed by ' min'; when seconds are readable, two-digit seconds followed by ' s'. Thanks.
1 h 46 min 53 s
